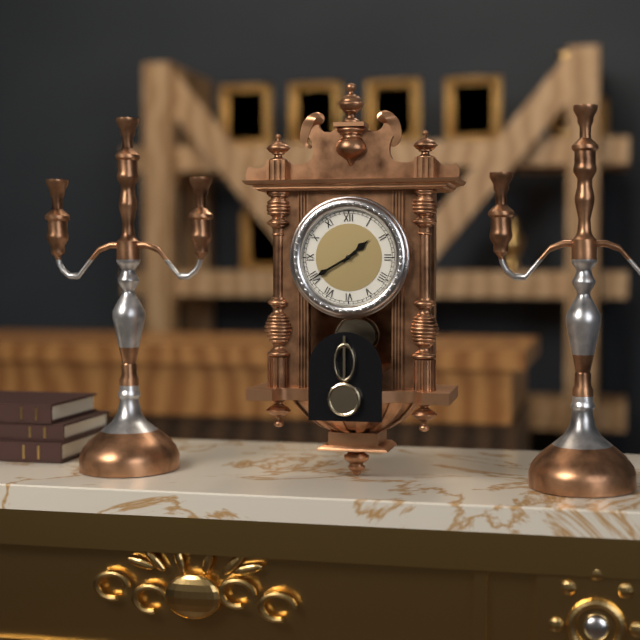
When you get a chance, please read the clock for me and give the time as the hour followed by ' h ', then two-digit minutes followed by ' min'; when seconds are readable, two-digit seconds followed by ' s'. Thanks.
1 h 40 min
